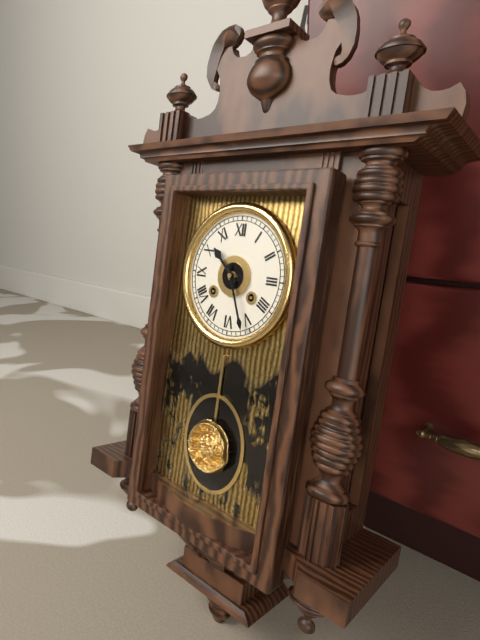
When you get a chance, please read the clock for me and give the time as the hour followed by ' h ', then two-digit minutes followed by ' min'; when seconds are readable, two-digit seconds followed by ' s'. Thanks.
10 h 26 min
